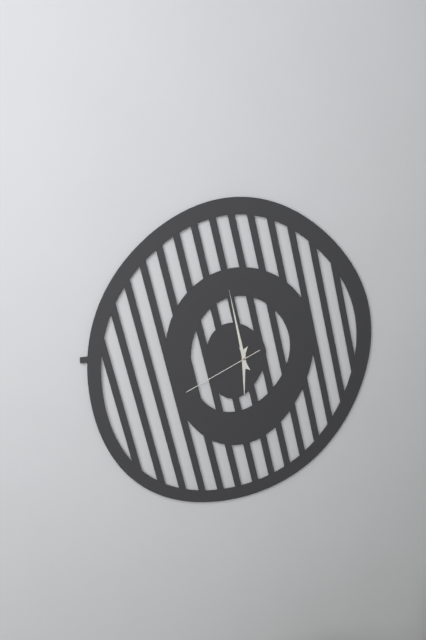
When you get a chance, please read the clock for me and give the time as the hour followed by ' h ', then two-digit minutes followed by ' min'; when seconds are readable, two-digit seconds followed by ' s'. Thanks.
5 h 58 min 41 s
